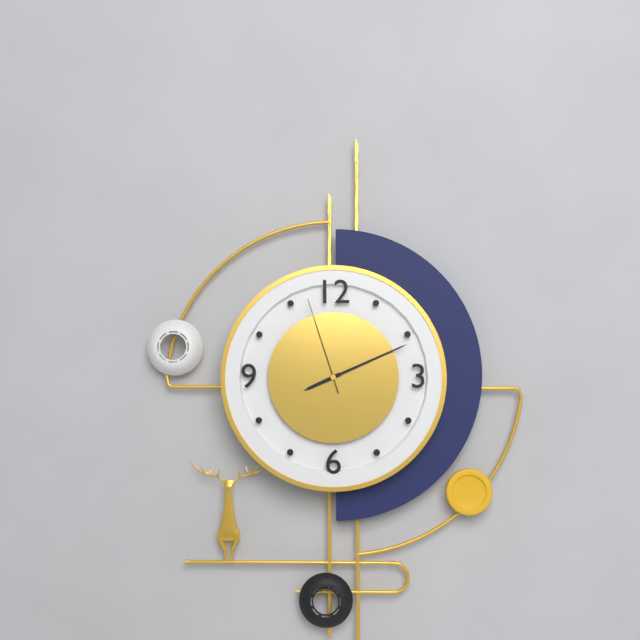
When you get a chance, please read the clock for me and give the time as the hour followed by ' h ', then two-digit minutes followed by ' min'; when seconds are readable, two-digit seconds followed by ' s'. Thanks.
8 h 11 min 57 s
